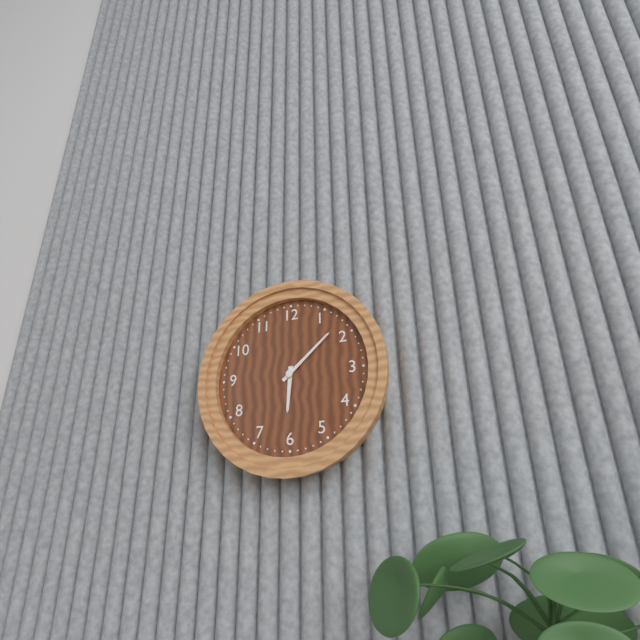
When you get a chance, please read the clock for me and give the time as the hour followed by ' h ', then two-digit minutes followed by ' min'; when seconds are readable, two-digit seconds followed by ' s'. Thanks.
6 h 08 min
